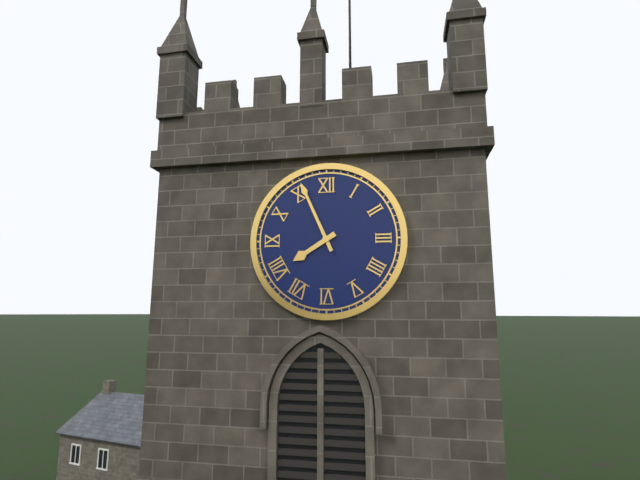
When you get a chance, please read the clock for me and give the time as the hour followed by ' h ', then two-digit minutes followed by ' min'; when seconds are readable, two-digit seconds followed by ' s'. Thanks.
7 h 56 min
